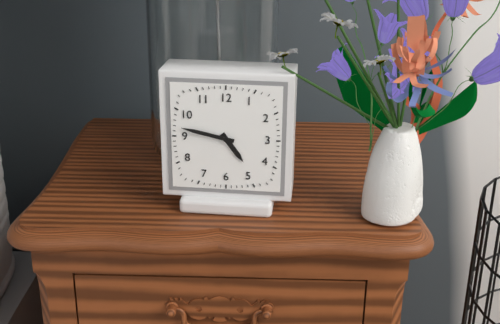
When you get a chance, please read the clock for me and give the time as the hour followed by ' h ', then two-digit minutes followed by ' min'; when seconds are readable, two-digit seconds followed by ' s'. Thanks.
4 h 47 min
